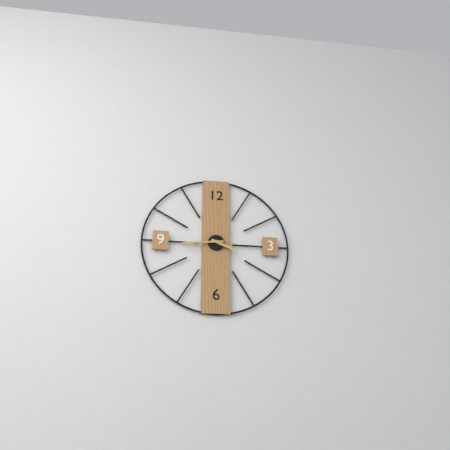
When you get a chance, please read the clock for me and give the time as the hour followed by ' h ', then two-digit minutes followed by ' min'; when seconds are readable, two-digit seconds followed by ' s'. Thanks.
3 h 44 min
